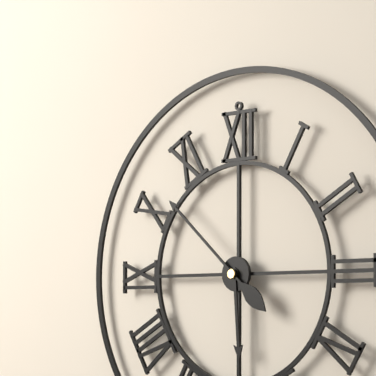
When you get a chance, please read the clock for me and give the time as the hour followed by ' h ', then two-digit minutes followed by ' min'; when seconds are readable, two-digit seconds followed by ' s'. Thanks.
5 h 52 min
